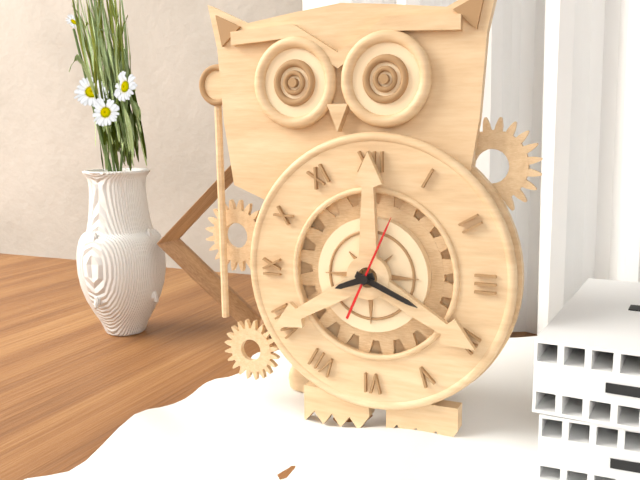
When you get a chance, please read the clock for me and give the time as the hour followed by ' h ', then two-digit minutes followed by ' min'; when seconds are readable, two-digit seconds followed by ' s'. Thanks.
8 h 19 min 04 s
